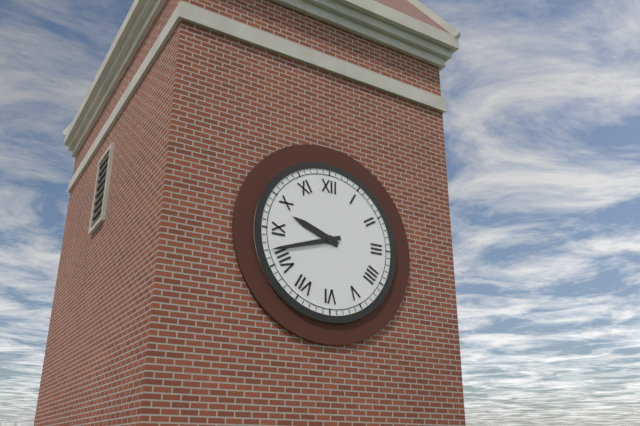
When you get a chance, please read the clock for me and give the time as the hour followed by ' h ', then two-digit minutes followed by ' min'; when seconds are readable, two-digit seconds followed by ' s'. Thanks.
9 h 42 min
